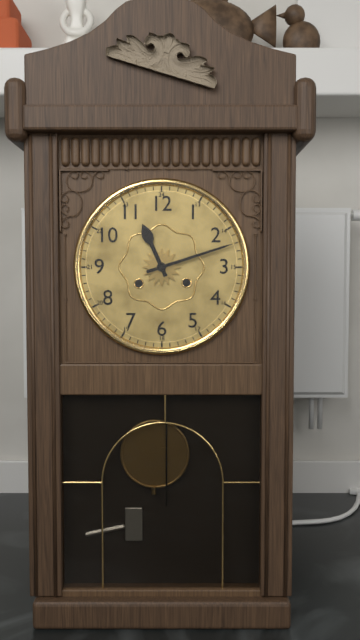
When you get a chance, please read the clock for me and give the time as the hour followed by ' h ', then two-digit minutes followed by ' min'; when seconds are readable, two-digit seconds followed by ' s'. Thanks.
11 h 12 min
